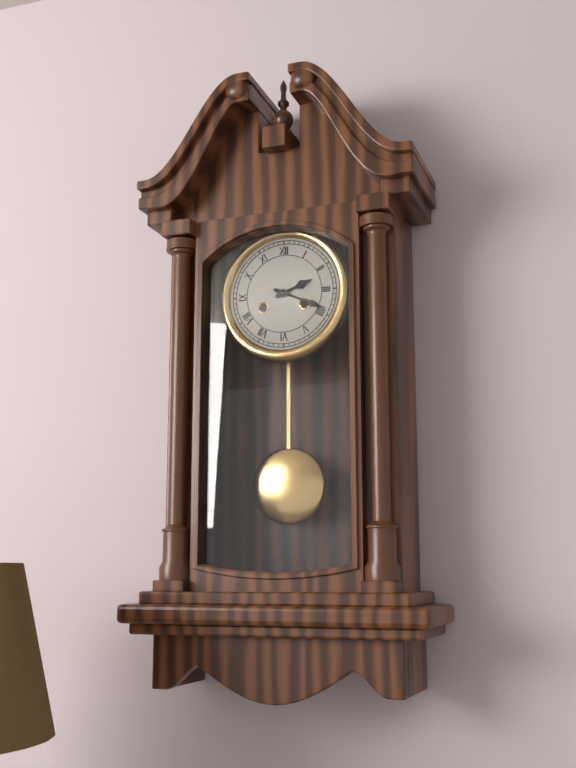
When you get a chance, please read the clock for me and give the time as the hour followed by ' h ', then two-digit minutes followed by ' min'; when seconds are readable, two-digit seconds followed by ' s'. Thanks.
2 h 19 min
